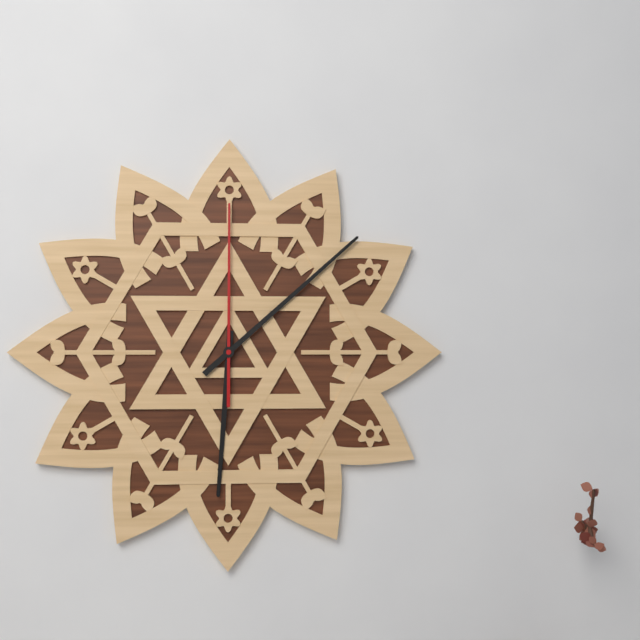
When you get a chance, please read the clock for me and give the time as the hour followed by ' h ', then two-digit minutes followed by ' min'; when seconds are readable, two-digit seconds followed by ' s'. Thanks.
6 h 08 min 00 s
